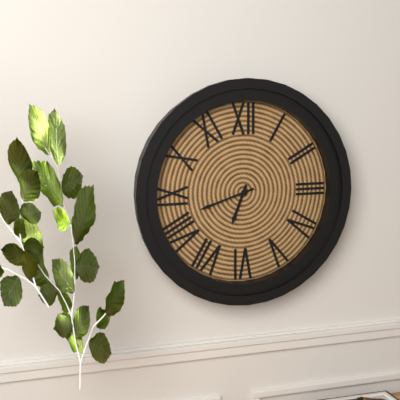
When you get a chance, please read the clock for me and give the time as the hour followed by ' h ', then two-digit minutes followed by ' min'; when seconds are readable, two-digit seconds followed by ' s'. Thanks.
6 h 42 min
